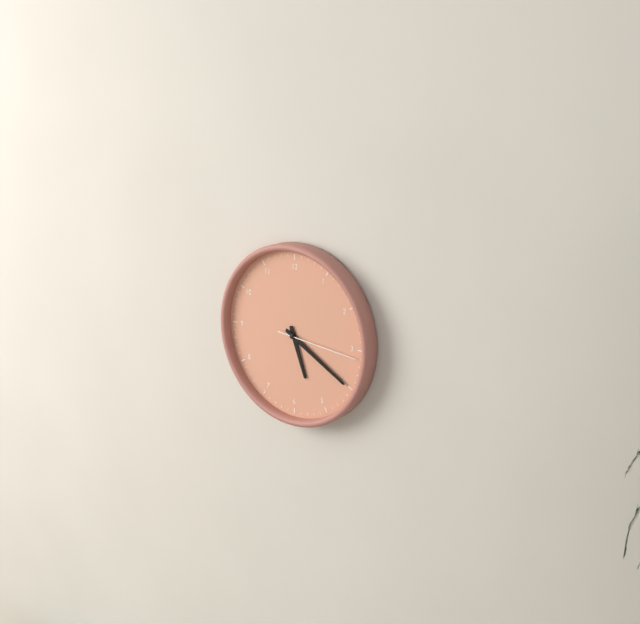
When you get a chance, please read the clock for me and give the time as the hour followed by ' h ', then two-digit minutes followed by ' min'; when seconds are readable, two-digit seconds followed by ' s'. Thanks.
5 h 20 min 16 s
